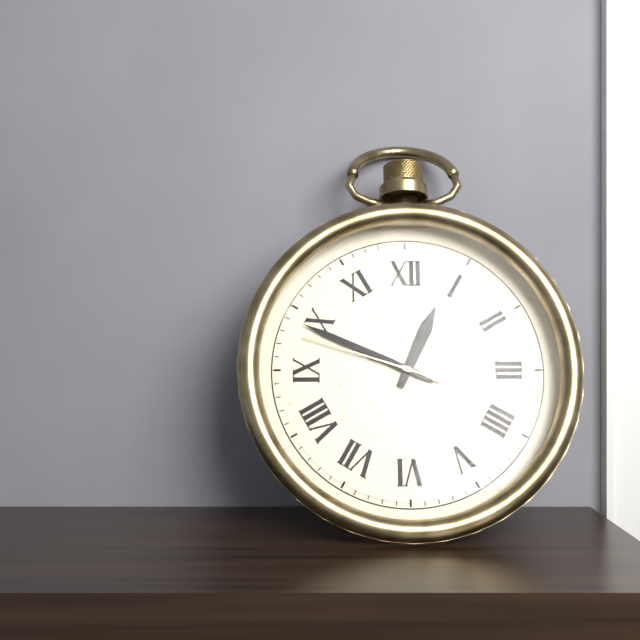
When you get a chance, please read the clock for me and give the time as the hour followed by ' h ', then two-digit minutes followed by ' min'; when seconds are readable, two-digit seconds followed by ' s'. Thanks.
12 h 49 min 48 s
